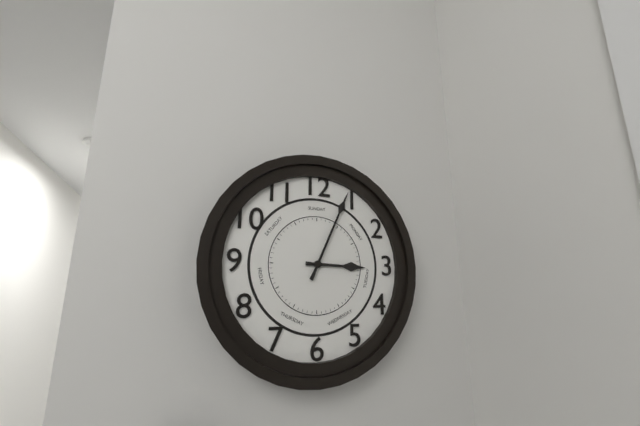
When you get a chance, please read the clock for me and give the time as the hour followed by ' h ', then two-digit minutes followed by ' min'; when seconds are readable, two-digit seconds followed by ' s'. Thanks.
3 h 04 min
